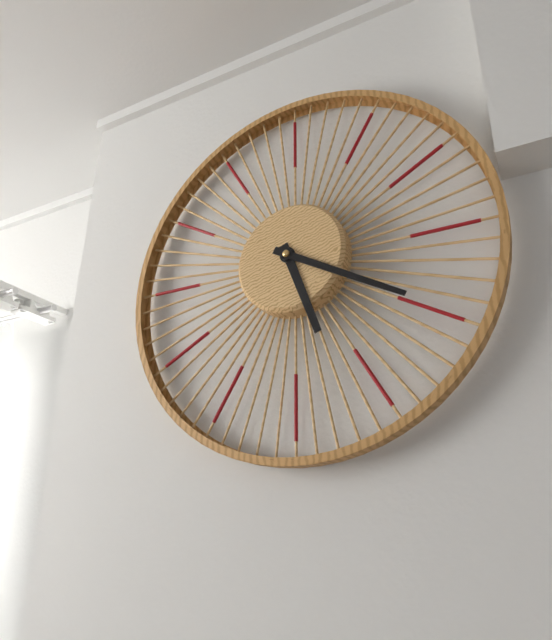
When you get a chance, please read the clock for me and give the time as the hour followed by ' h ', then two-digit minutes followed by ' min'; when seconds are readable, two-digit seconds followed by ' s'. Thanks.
5 h 20 min
